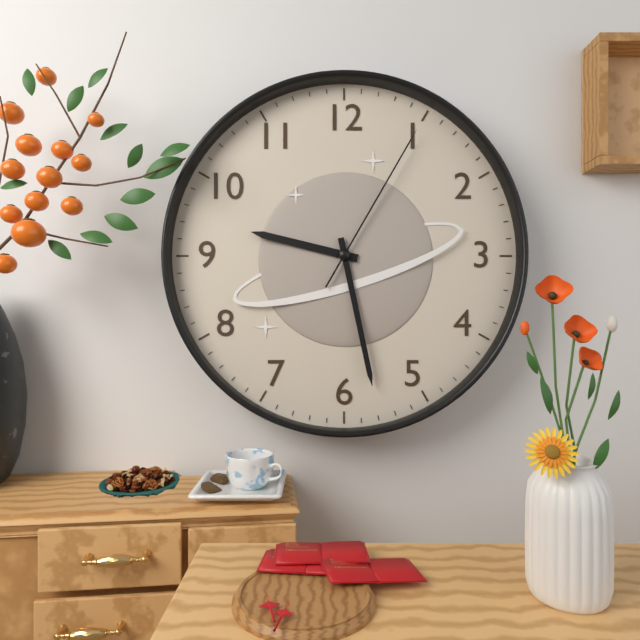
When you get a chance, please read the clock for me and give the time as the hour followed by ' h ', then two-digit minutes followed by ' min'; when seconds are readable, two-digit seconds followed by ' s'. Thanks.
9 h 28 min 05 s
